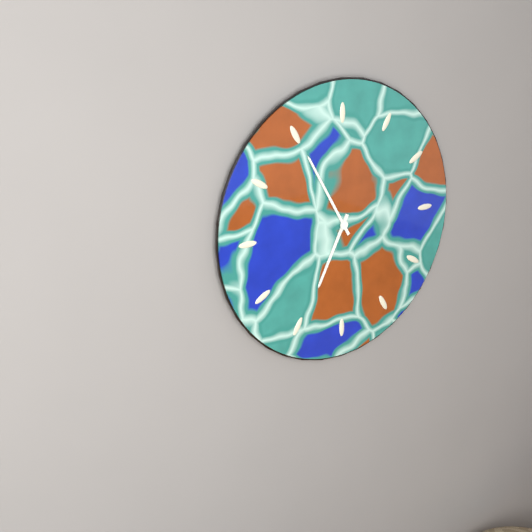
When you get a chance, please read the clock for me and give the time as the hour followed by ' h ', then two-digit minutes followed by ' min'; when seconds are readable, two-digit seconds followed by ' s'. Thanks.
6 h 55 min
